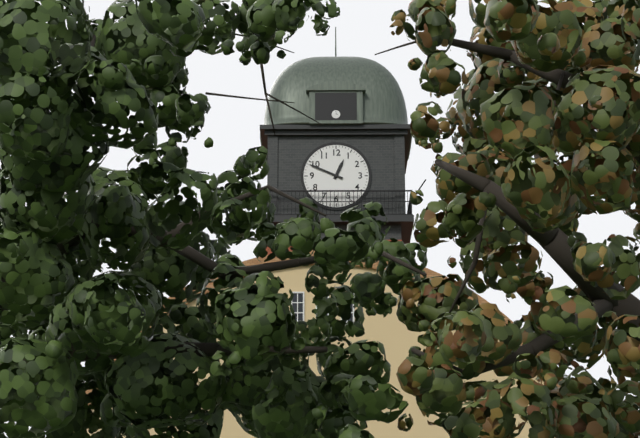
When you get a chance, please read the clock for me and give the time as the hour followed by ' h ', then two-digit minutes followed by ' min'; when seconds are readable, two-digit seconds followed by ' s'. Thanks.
12 h 49 min
